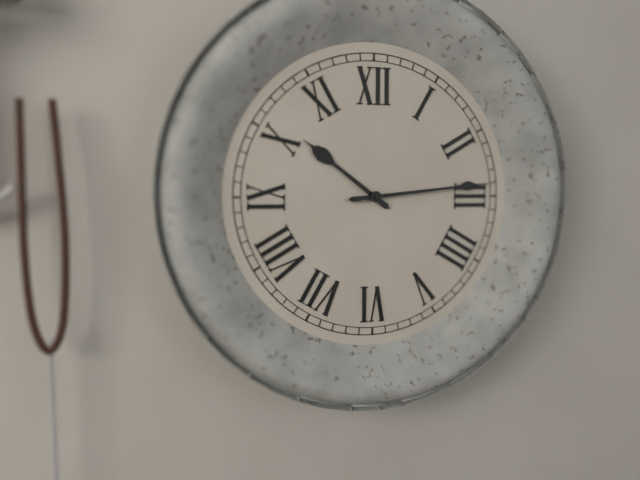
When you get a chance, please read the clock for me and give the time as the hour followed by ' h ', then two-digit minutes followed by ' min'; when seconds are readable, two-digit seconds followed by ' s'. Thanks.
10 h 14 min
